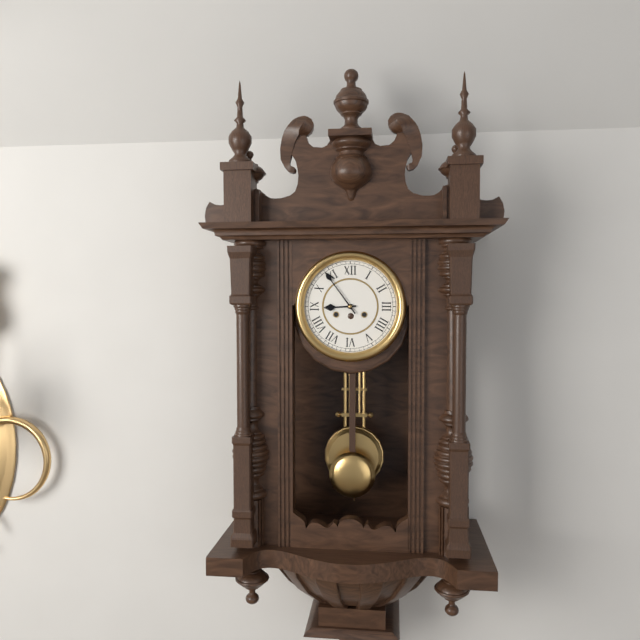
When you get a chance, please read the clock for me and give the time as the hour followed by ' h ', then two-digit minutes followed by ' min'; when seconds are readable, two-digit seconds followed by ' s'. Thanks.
8 h 54 min
